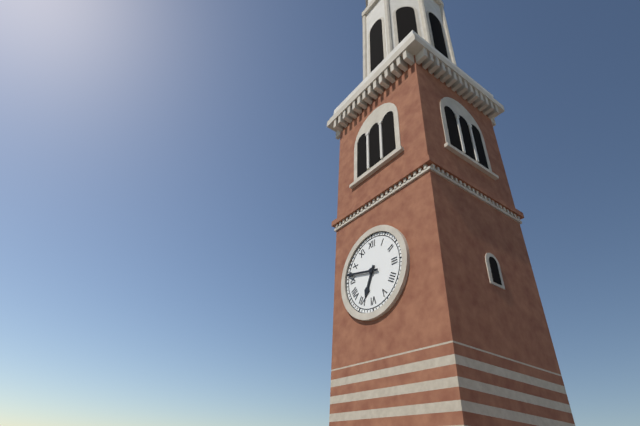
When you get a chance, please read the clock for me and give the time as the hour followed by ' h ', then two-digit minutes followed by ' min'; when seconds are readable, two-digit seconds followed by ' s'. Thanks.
6 h 47 min
